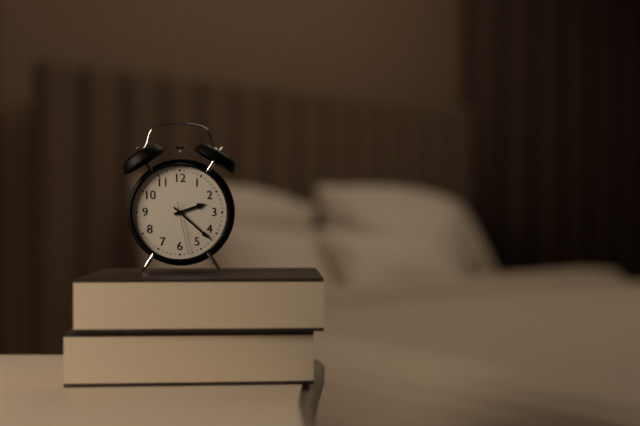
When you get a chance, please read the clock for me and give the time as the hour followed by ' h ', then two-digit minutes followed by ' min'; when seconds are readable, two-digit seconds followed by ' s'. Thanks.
2 h 22 min 28 s
